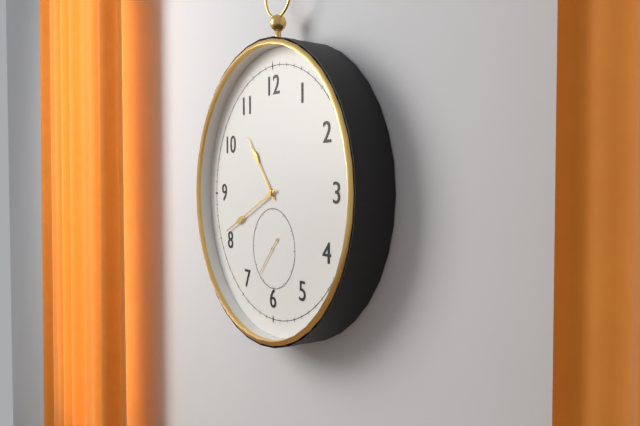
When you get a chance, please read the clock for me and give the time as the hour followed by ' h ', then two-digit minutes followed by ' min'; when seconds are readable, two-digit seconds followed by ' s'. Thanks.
10 h 41 min
